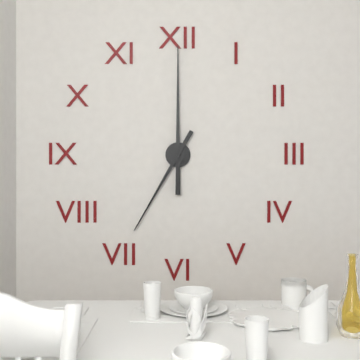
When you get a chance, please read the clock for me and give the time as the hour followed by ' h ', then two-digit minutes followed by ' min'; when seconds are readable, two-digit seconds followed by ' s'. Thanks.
7 h 00 min
